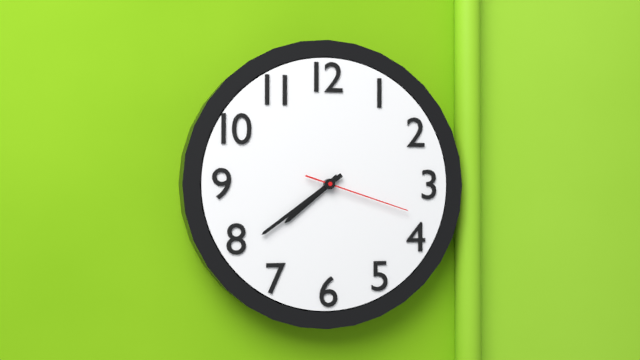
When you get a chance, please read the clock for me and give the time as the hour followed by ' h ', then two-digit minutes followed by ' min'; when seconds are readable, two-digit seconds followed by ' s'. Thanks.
7 h 39 min 18 s
